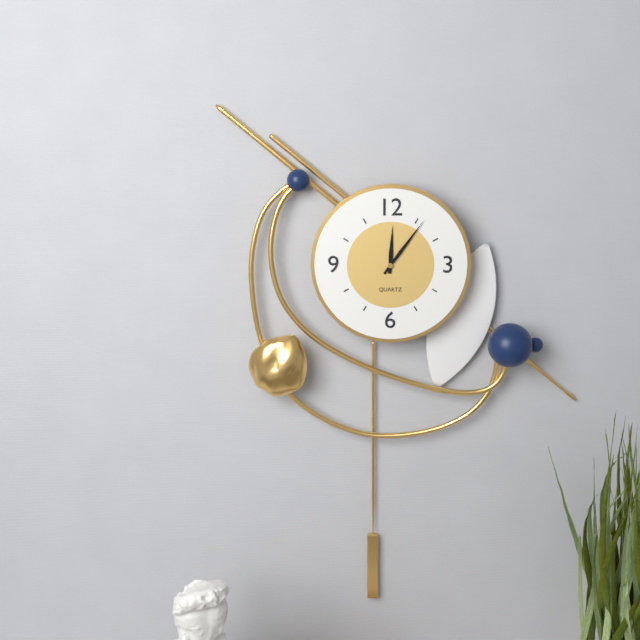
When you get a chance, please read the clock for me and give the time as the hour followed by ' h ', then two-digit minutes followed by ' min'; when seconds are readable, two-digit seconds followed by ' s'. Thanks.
12 h 06 min
